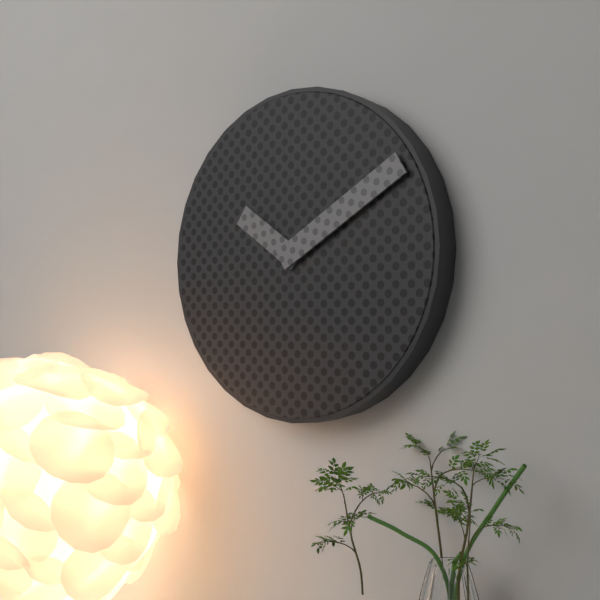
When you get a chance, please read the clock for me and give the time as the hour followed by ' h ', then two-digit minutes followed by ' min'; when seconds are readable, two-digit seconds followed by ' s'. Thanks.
10 h 10 min
